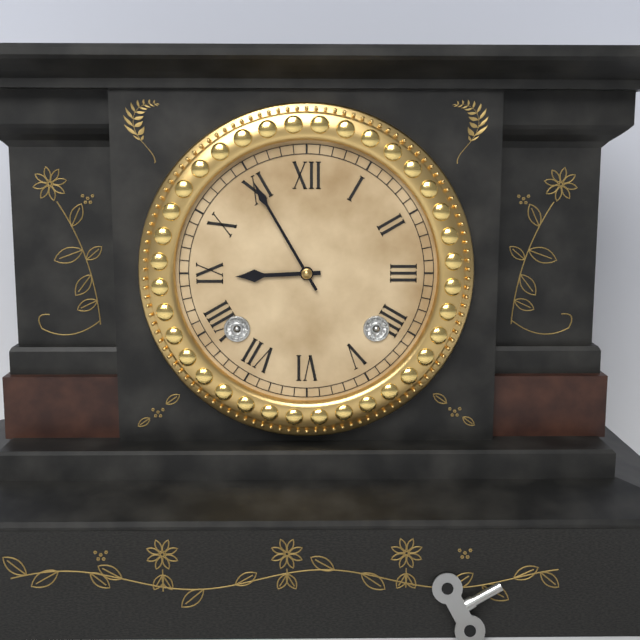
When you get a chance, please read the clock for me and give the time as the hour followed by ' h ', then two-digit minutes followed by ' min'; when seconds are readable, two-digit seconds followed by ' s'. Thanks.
8 h 55 min
